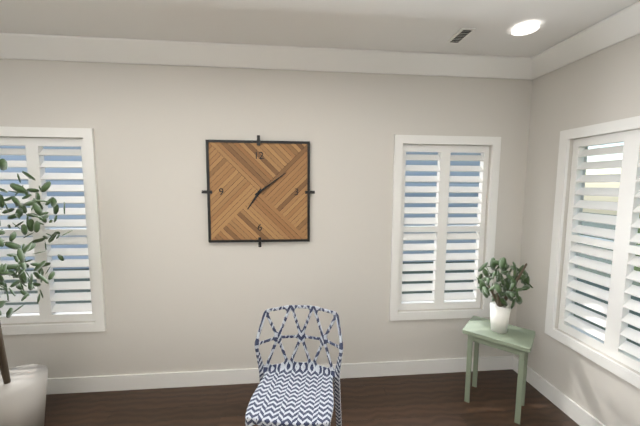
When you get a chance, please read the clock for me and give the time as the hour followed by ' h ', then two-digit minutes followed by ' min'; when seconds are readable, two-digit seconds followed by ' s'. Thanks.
7 h 09 min
